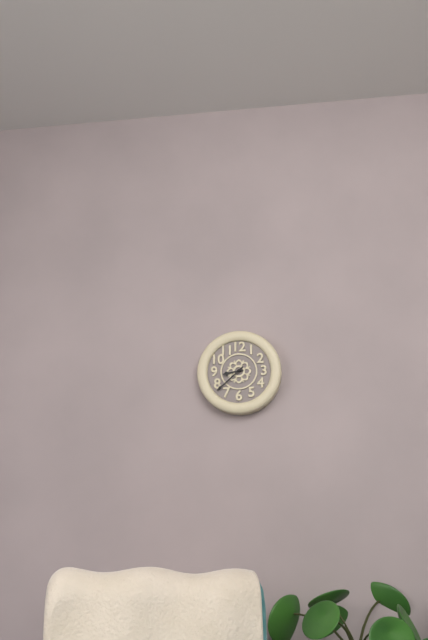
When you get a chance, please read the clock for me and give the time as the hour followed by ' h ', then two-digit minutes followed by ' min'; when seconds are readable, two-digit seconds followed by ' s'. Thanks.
8 h 38 min
